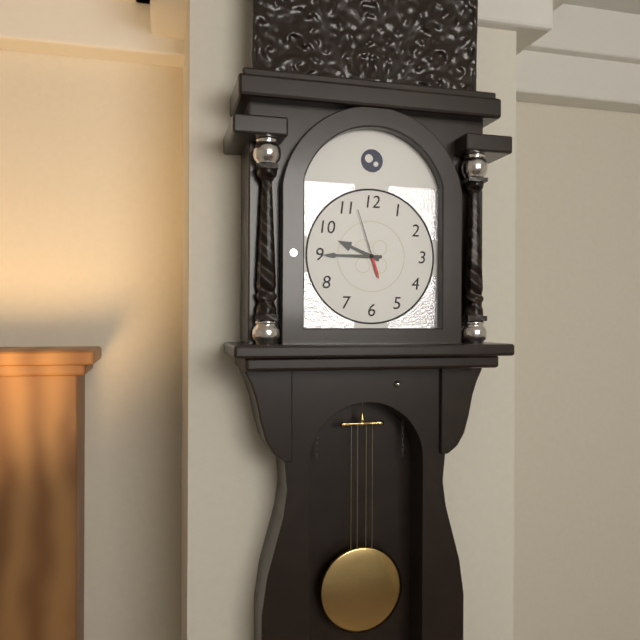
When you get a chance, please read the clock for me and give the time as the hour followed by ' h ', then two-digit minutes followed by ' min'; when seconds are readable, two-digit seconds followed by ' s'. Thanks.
9 h 45 min 57 s
